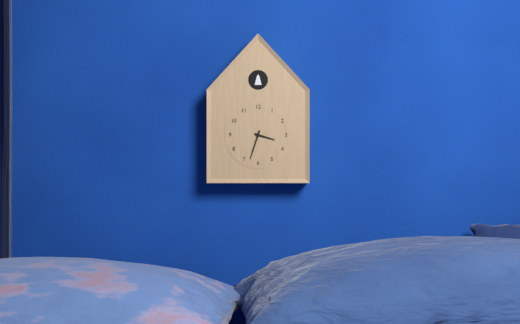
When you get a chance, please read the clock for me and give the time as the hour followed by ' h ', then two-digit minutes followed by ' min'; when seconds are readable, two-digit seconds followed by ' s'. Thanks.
3 h 33 min
